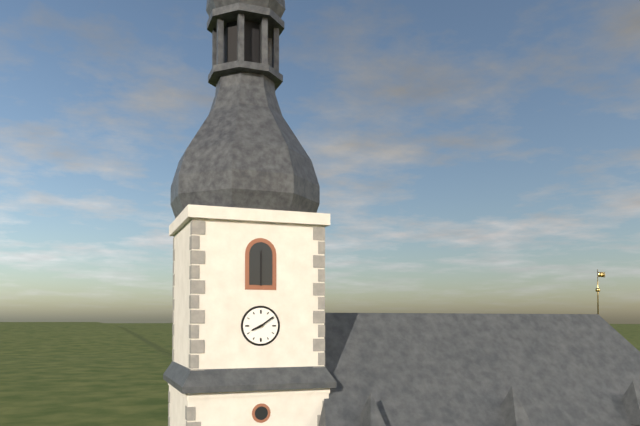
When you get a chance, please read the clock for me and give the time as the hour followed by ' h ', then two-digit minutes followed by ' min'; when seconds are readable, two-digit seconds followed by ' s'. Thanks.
8 h 09 min
